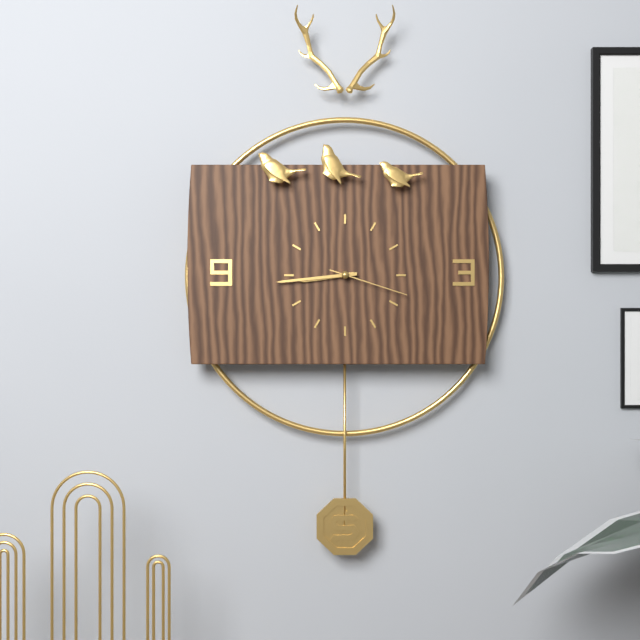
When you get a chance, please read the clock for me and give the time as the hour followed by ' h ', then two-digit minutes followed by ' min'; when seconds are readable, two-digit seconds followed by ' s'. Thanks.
8 h 44 min 18 s
